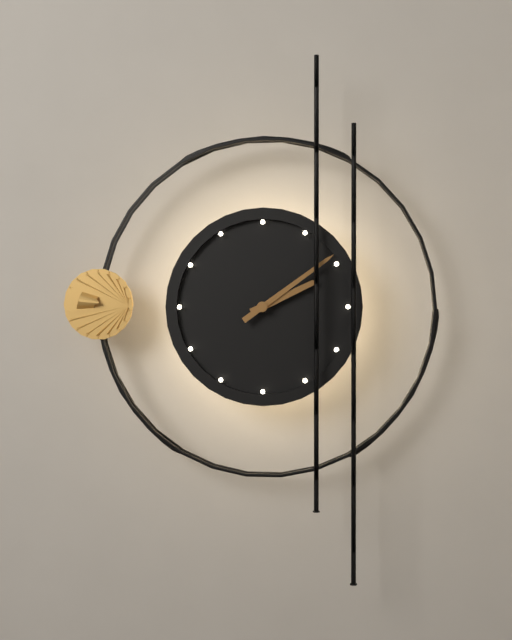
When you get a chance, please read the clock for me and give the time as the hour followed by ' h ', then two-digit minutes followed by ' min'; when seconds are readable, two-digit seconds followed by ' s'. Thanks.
2 h 09 min
